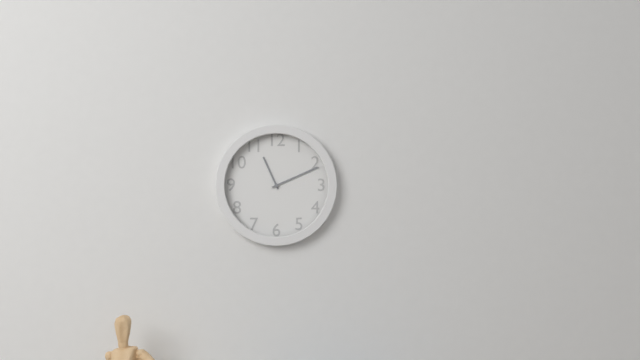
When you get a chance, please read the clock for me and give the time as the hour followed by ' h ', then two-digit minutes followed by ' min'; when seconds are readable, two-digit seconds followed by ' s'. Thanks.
11 h 11 min
